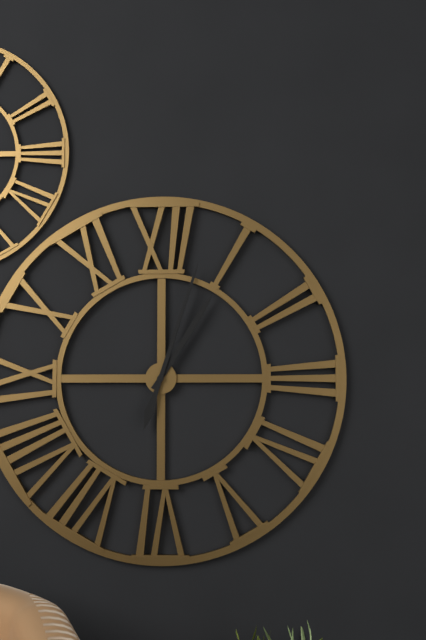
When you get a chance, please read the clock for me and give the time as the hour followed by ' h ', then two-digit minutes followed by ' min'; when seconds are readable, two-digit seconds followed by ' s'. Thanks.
1 h 03 min
